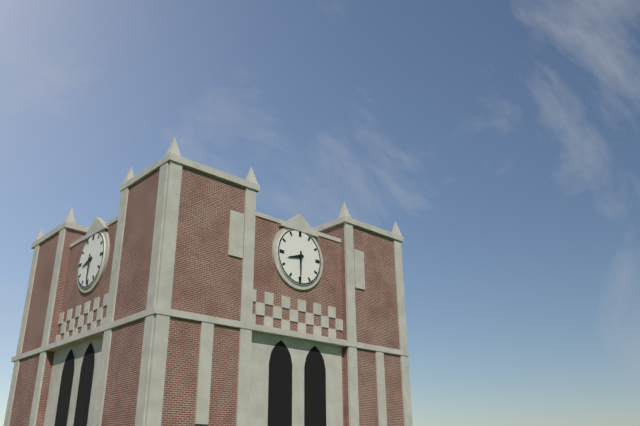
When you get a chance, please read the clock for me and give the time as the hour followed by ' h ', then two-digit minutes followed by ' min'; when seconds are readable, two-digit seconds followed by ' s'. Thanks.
8 h 30 min
